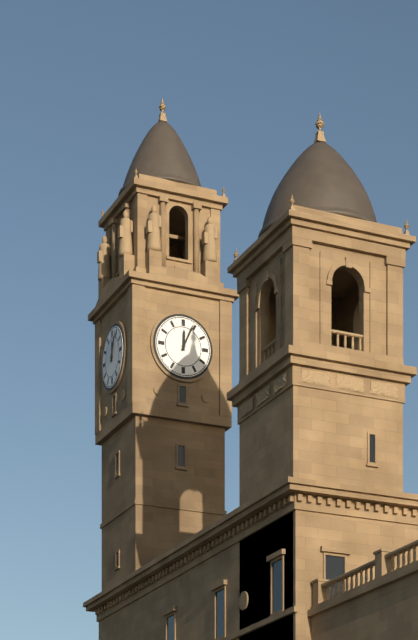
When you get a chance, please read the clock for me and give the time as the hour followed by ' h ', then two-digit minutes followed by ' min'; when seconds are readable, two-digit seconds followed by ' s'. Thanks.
12 h 04 min
